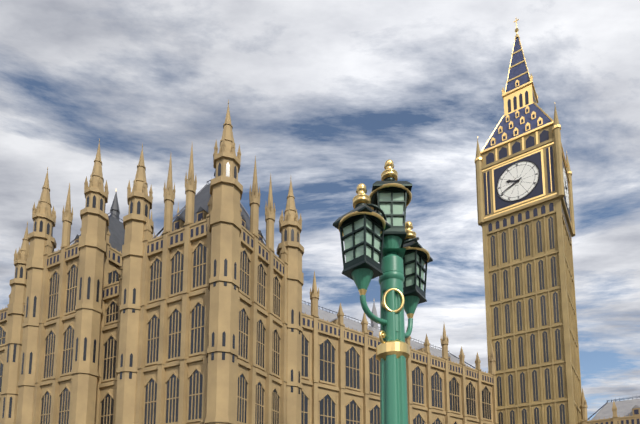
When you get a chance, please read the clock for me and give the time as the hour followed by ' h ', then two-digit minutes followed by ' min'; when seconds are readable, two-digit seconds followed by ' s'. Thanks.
9 h 41 min
